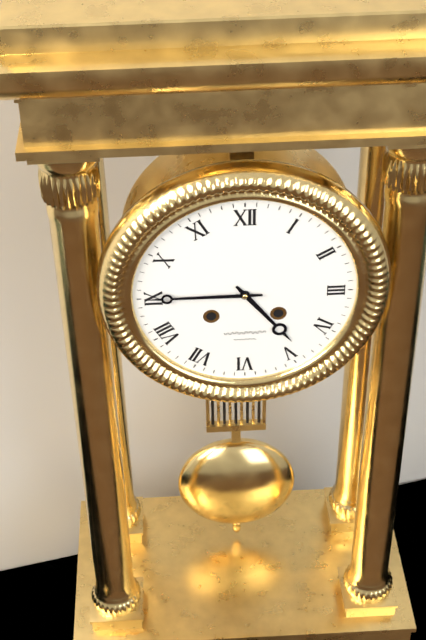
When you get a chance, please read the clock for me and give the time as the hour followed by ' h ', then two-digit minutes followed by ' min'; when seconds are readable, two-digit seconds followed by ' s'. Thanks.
4 h 45 min
